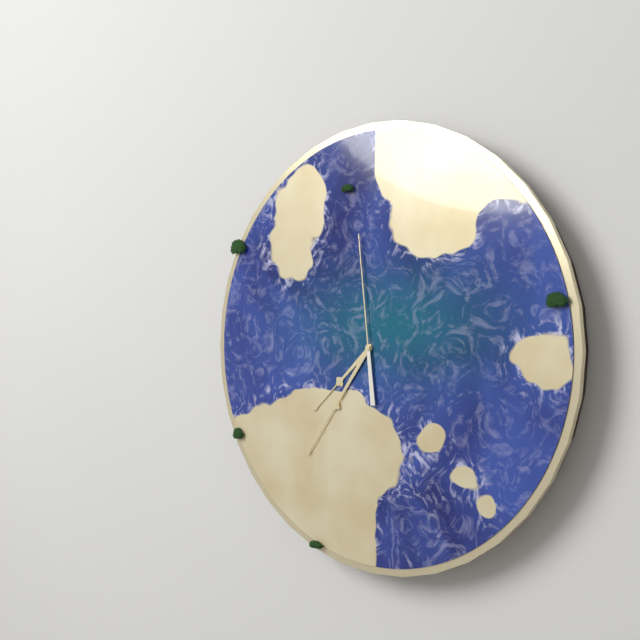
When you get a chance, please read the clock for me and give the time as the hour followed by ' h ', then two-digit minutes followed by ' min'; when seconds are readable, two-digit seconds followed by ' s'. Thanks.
7 h 36 min 59 s
